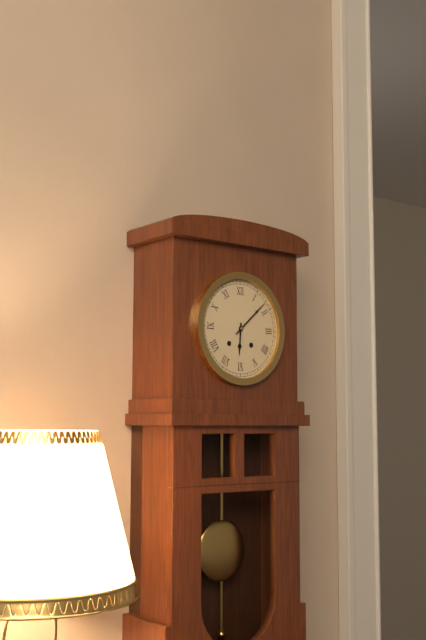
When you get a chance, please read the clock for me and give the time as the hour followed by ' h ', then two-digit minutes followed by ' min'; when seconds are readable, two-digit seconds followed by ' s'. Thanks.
6 h 08 min
